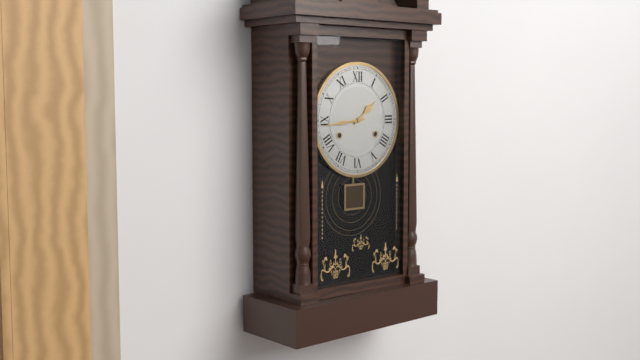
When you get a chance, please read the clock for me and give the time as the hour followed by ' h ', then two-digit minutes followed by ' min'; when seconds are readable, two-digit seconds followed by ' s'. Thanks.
1 h 44 min
